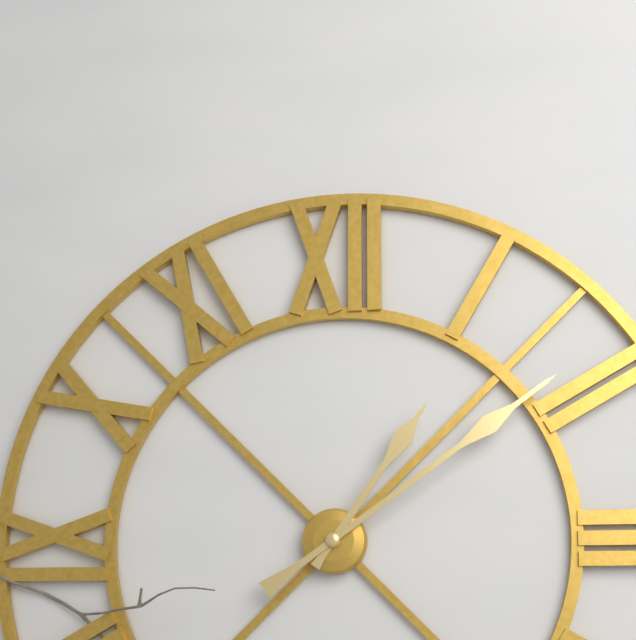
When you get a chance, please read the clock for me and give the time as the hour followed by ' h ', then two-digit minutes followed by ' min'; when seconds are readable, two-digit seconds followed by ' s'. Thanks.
1 h 09 min
